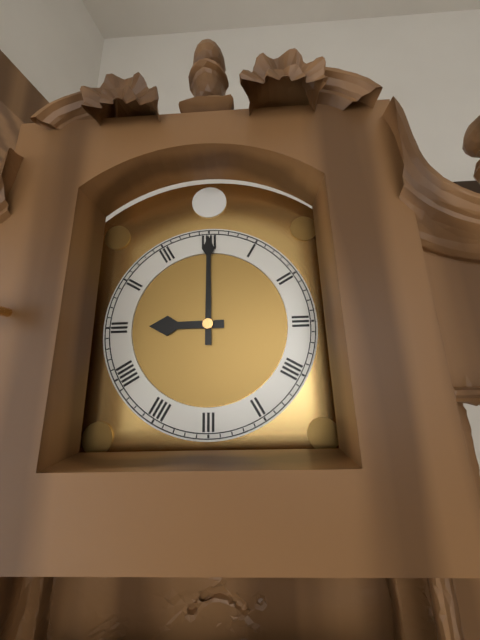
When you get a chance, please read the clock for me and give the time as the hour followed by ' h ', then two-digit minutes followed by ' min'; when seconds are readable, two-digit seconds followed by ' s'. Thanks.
9 h 00 min
